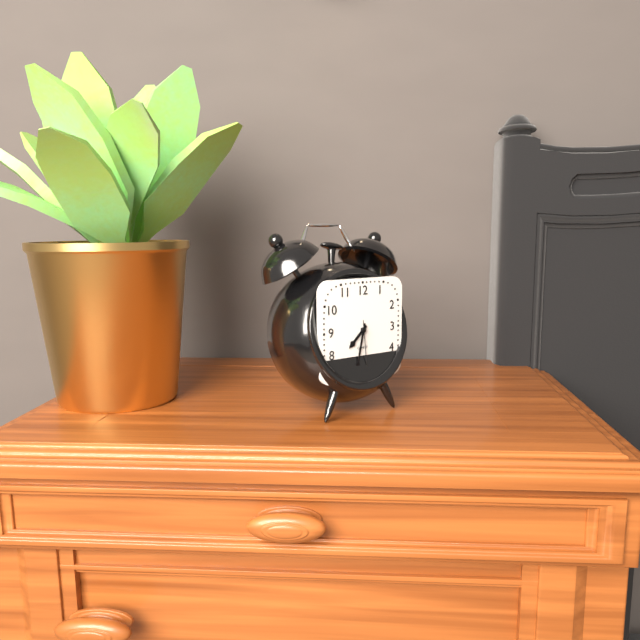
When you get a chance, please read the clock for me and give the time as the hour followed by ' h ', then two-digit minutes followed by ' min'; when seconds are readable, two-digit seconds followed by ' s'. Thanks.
7 h 32 min 29 s
